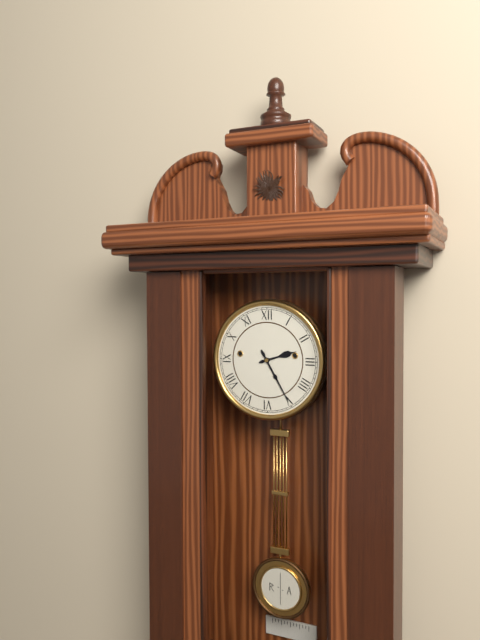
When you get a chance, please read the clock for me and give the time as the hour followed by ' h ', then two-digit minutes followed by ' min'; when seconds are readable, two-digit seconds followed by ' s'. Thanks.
2 h 25 min
